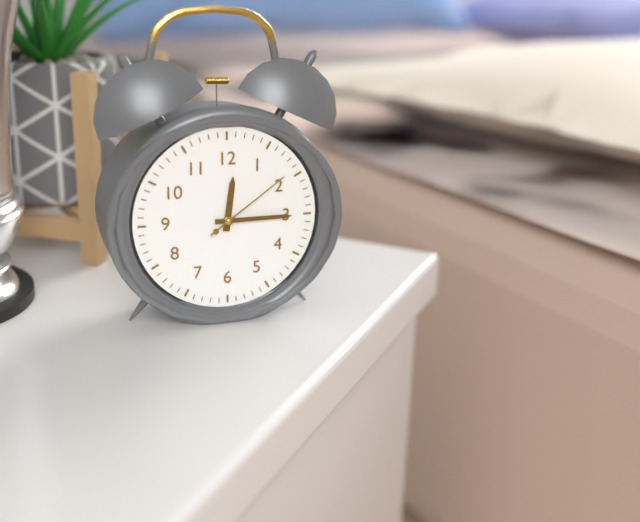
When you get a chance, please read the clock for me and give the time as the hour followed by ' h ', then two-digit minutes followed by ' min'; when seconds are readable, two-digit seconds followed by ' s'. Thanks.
12 h 15 min 09 s
